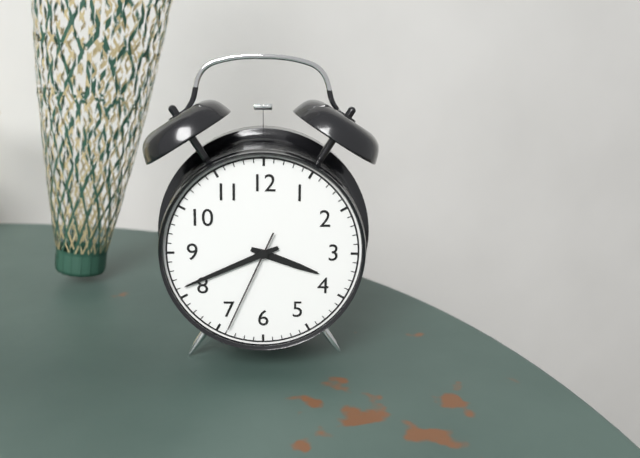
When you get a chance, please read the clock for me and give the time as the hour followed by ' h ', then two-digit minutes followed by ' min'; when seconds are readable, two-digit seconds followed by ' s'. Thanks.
3 h 41 min 34 s
